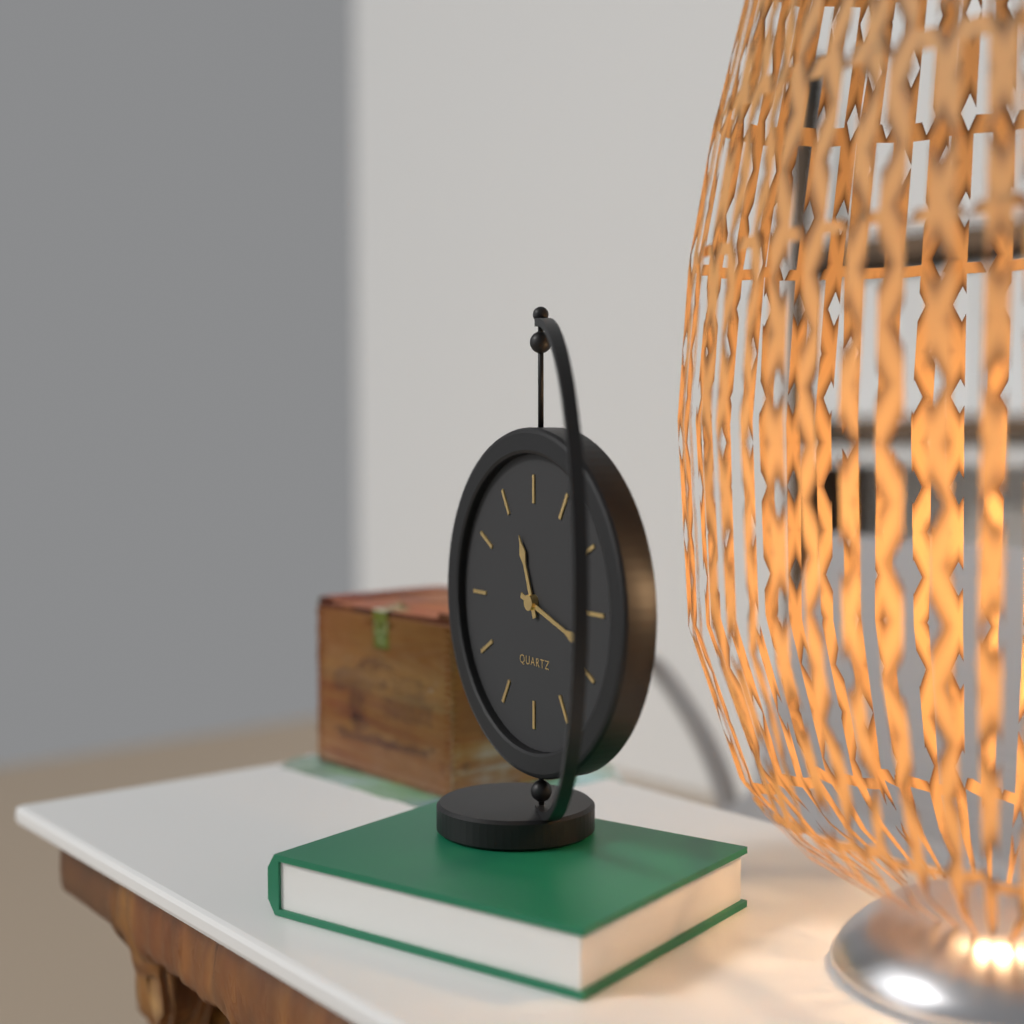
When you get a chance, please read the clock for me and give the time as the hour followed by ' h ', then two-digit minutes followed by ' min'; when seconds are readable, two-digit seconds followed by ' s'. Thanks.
11 h 18 min
